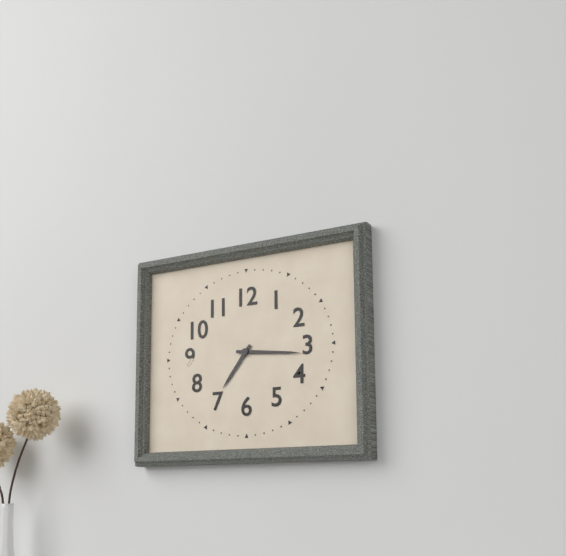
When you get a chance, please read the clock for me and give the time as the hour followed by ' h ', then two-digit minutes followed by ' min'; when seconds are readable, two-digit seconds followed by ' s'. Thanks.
7 h 16 min
